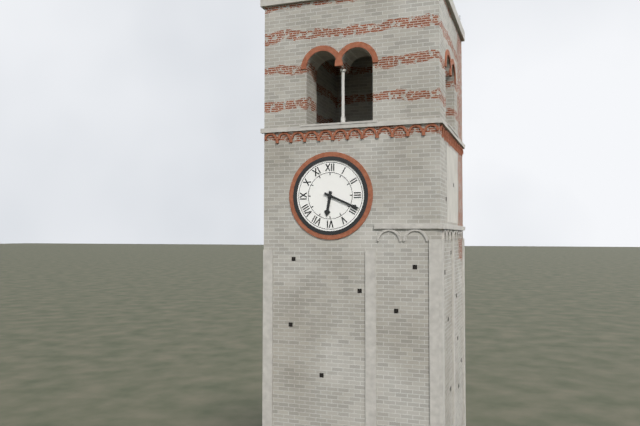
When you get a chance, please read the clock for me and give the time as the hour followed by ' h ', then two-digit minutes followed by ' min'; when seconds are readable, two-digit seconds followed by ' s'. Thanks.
6 h 19 min
